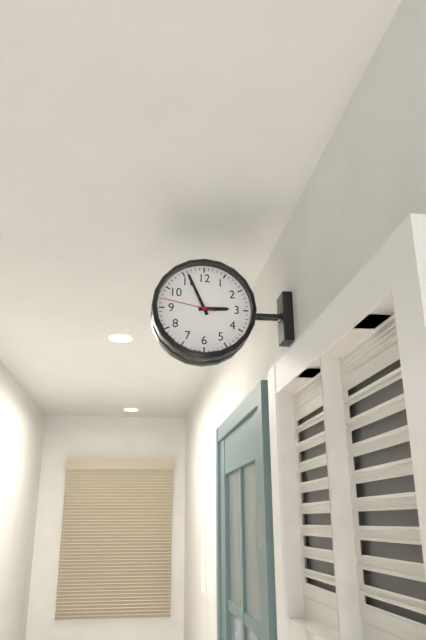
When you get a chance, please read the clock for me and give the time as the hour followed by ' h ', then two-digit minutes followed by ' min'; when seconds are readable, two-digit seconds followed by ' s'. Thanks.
2 h 56 min 47 s
